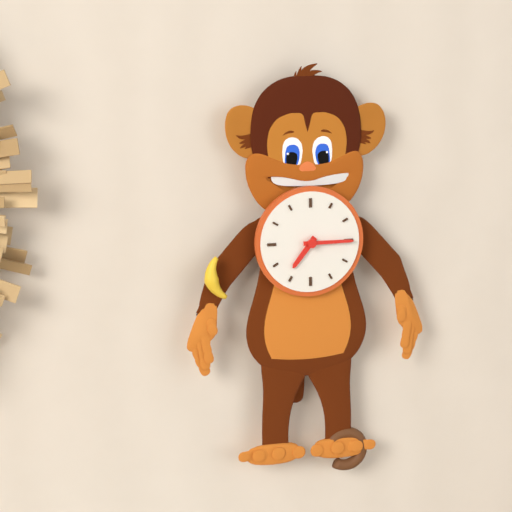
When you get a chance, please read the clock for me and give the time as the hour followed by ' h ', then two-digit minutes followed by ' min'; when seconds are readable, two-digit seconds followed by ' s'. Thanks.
7 h 15 min
